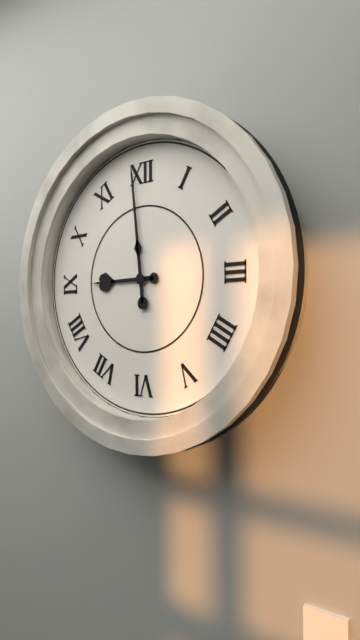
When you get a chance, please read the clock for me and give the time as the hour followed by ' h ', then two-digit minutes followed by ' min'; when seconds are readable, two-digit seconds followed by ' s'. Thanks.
8 h 59 min
